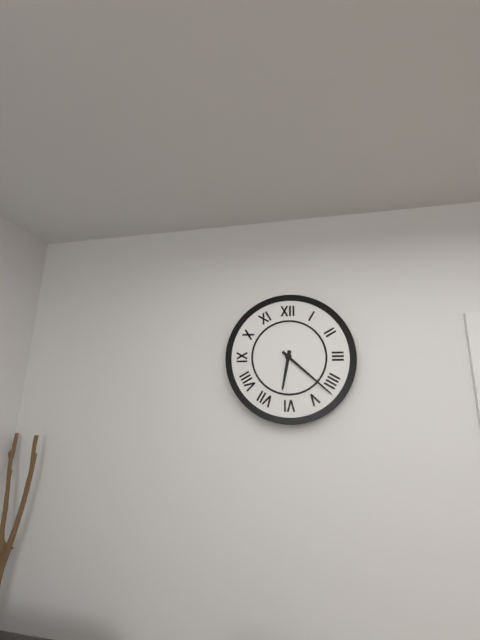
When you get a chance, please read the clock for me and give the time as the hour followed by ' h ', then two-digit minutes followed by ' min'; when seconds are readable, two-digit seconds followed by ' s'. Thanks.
6 h 22 min
